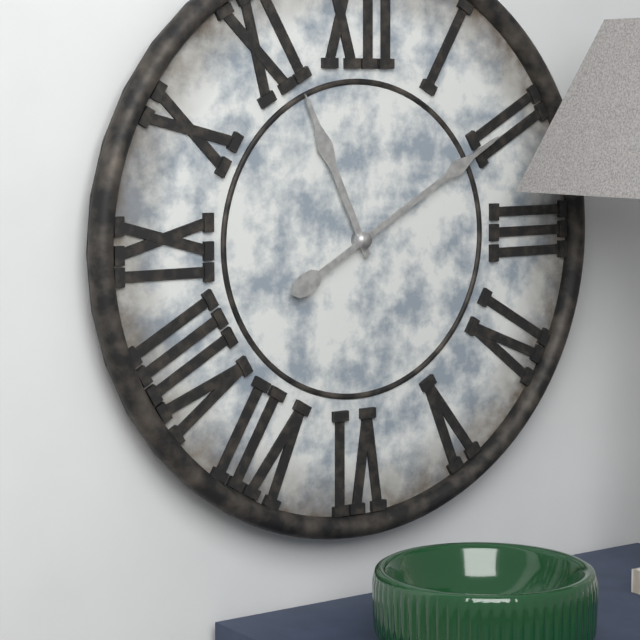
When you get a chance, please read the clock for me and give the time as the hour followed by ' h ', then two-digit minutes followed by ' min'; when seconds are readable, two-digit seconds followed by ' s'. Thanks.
11 h 10 min
